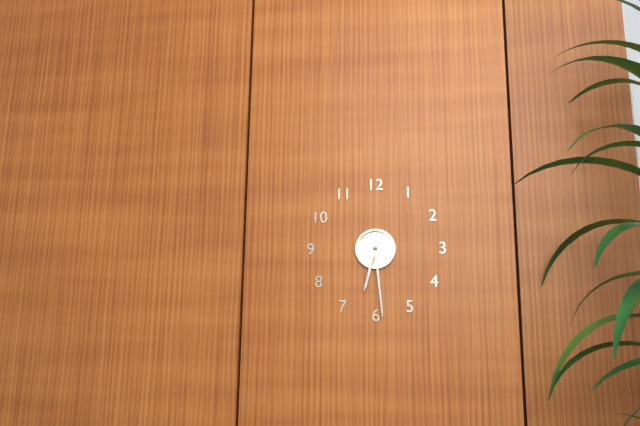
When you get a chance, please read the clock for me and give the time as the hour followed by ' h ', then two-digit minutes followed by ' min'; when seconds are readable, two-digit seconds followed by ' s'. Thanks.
6 h 29 min
